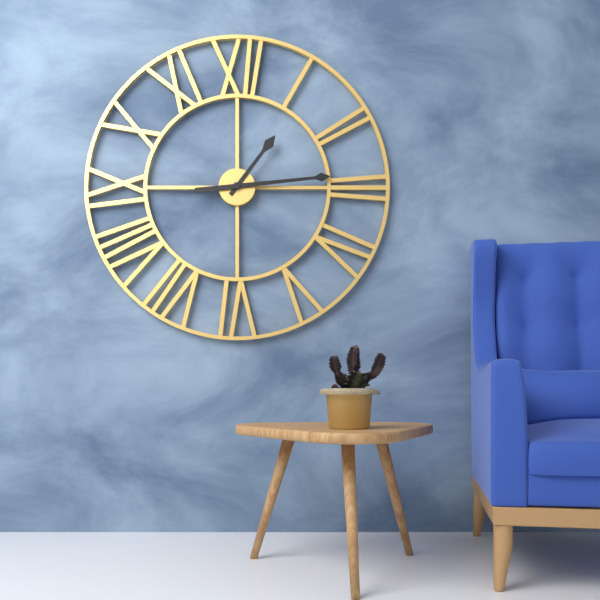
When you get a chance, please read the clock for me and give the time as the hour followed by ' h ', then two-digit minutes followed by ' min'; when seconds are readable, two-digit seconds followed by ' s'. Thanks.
1 h 14 min
